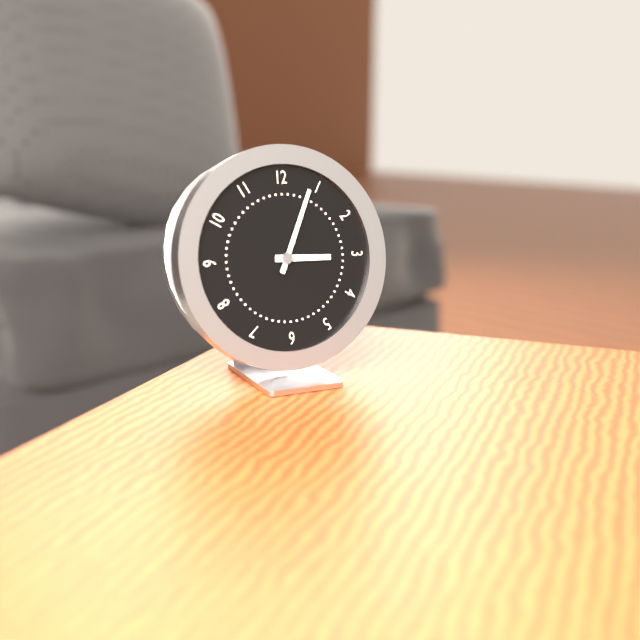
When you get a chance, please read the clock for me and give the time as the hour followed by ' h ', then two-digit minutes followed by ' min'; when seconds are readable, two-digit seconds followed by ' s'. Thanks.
3 h 04 min
